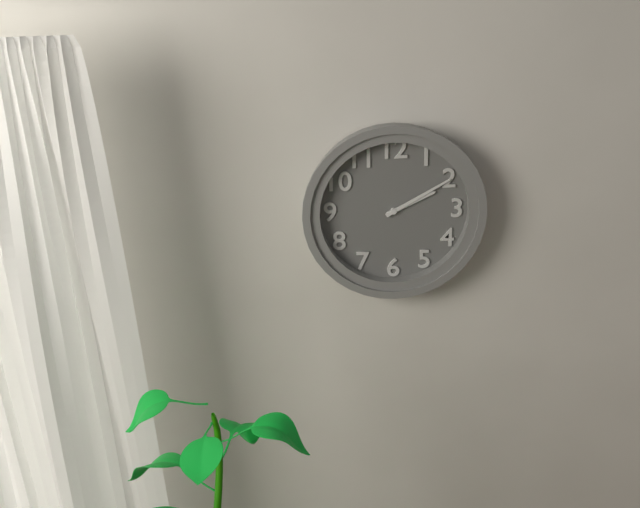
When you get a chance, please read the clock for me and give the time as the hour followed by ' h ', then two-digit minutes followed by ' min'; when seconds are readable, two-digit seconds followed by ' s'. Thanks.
2 h 10 min
